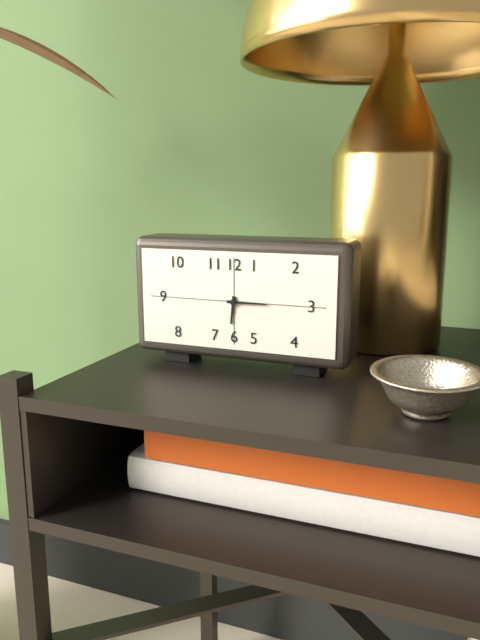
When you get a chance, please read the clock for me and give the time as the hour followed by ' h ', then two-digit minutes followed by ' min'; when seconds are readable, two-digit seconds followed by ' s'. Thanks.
6 h 15 min
